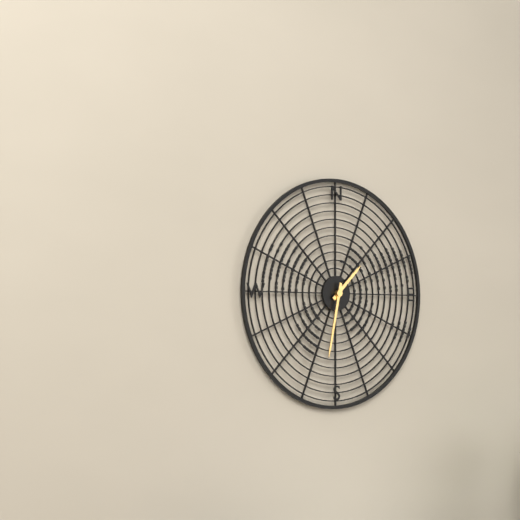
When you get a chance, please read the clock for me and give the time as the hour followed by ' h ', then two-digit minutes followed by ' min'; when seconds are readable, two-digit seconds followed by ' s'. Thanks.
1 h 32 min
